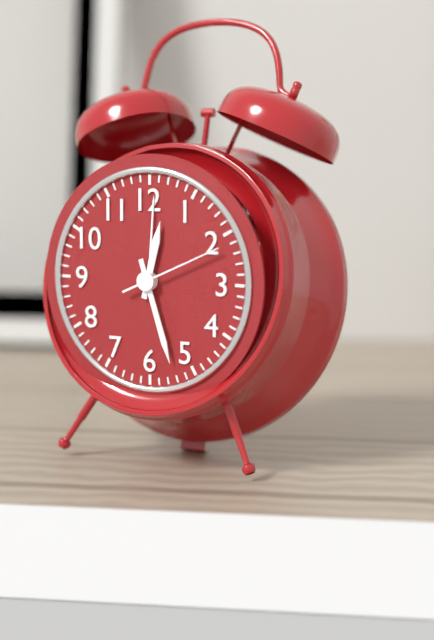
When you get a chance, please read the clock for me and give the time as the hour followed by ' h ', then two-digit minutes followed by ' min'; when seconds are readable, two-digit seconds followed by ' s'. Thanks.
12 h 27 min 11 s
